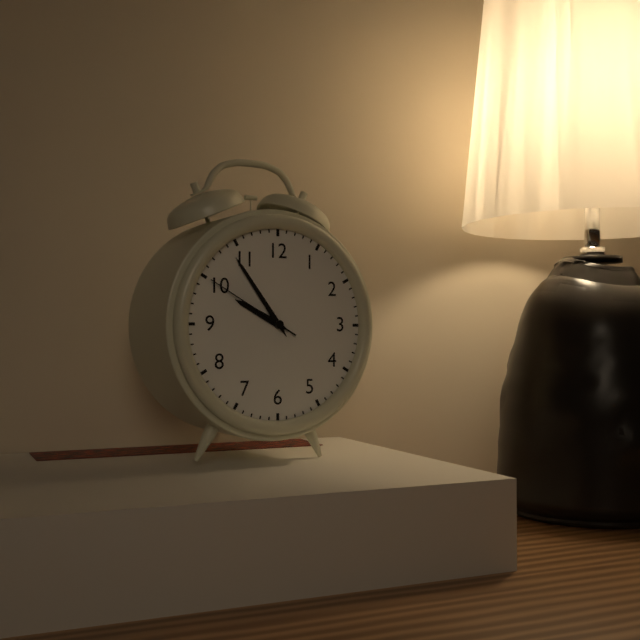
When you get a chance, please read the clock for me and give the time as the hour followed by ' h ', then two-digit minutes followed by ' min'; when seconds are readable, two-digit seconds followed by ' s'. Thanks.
9 h 54 min 50 s
